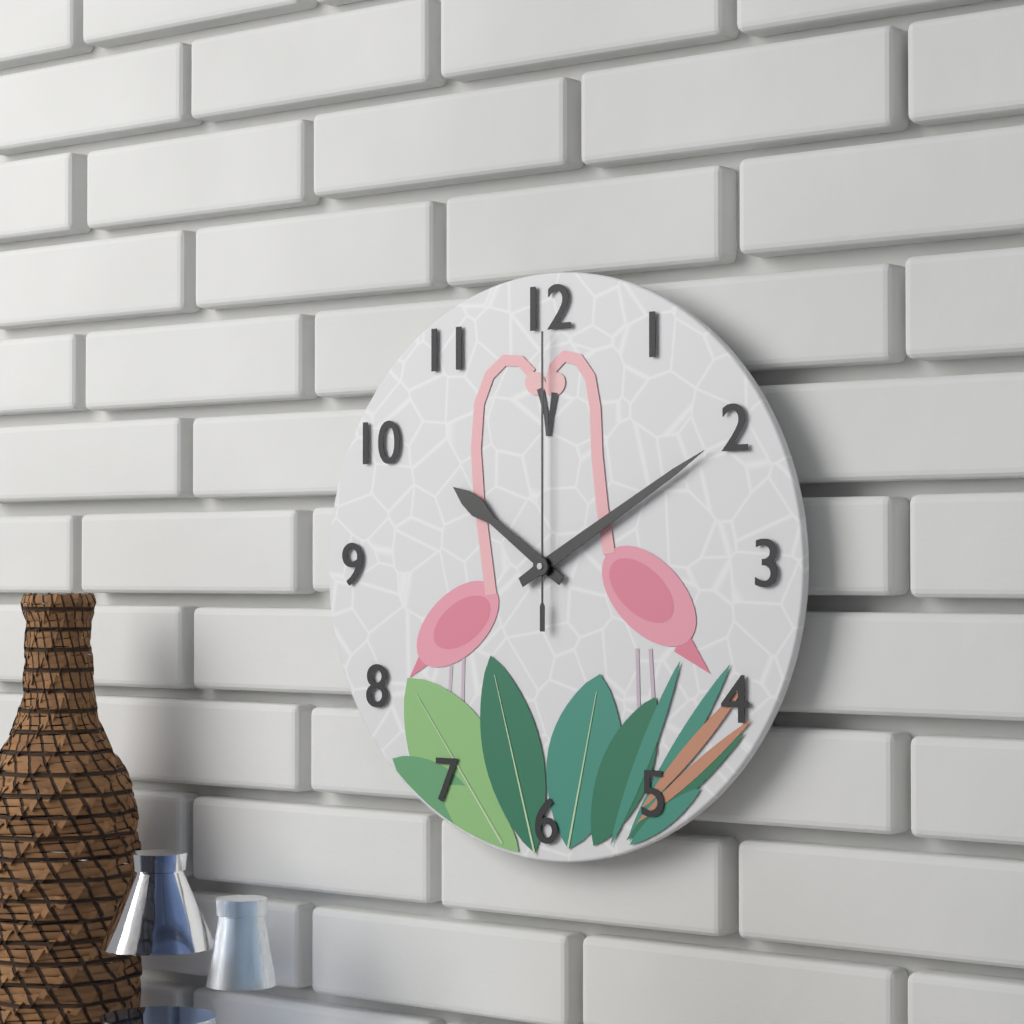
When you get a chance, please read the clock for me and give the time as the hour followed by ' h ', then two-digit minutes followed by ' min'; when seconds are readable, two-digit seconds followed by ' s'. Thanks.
10 h 10 min 00 s
